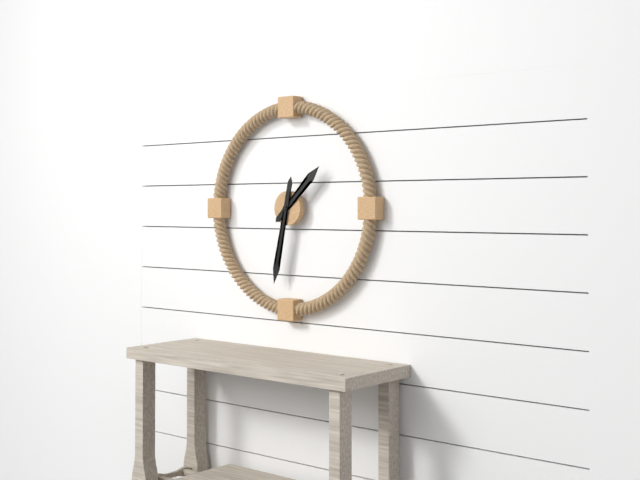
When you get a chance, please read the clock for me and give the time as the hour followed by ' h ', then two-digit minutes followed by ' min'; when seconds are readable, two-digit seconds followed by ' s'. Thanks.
1 h 32 min
